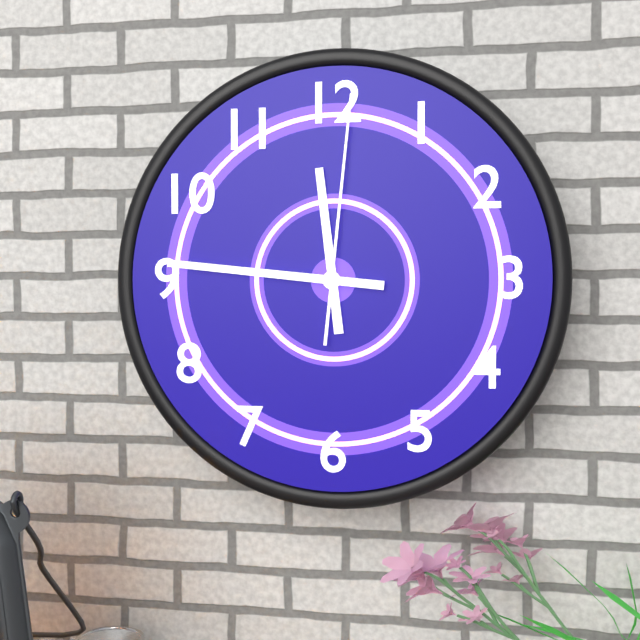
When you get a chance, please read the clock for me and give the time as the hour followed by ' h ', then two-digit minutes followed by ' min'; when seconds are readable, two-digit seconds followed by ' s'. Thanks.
11 h 46 min 01 s
